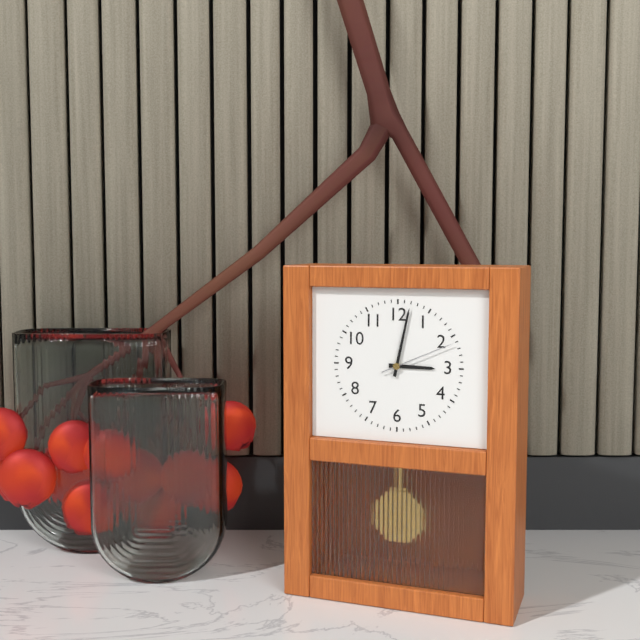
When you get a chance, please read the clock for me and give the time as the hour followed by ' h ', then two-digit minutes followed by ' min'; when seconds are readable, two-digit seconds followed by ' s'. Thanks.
3 h 02 min 11 s
